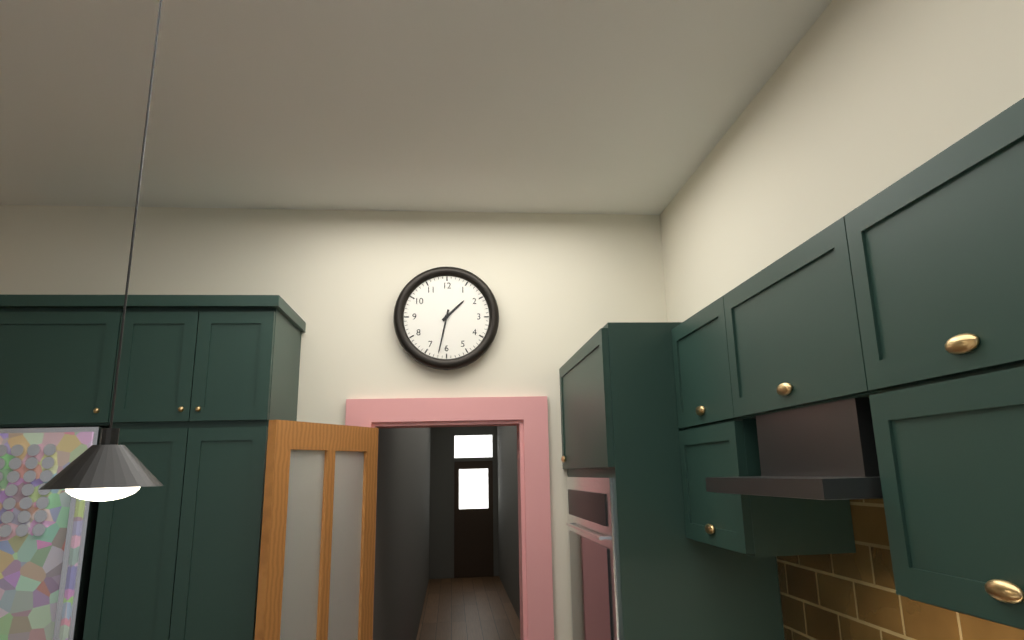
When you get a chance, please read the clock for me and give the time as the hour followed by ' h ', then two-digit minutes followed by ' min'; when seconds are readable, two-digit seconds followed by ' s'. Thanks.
1 h 32 min
